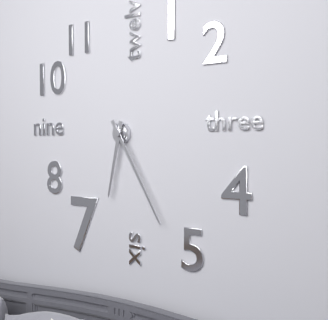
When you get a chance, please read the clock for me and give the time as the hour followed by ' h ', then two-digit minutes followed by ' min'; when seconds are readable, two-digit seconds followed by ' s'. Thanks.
6 h 25 min
